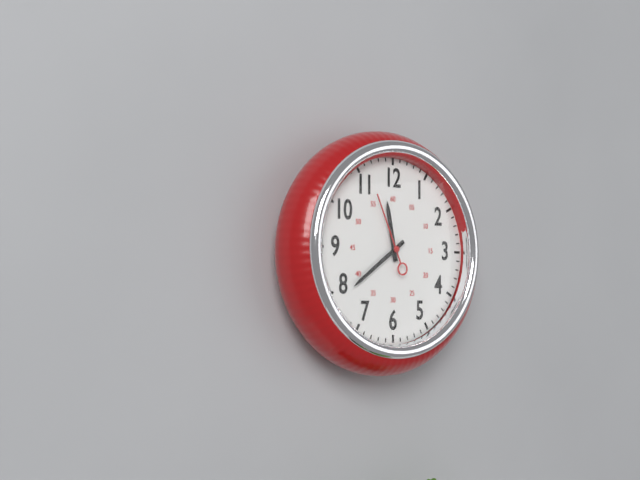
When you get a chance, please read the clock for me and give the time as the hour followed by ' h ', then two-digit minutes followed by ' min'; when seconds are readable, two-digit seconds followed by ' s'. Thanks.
11 h 39 min 56 s
